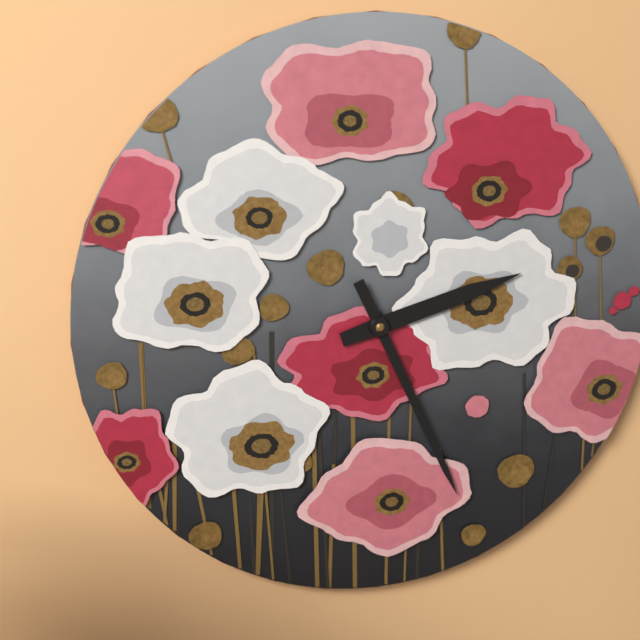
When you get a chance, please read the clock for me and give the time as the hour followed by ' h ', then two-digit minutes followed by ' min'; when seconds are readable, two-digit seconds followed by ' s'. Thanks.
2 h 26 min
